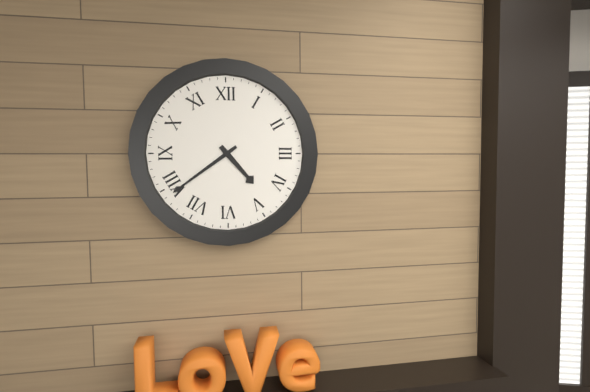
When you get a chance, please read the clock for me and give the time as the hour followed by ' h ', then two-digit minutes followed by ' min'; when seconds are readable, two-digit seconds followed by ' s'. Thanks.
4 h 39 min
